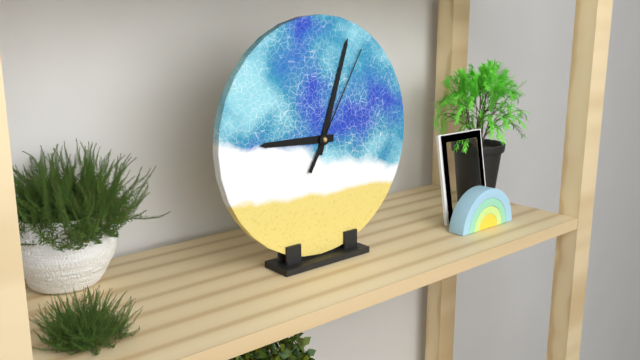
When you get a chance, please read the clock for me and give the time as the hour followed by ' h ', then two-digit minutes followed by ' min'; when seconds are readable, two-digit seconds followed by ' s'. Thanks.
9 h 03 min 05 s
